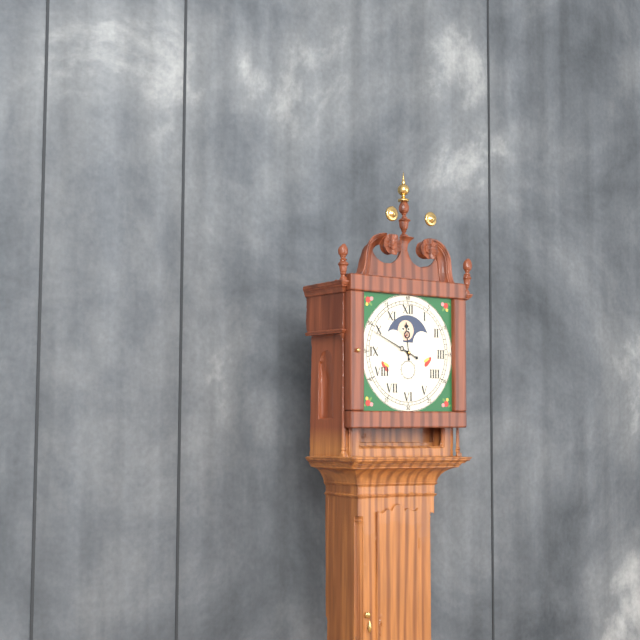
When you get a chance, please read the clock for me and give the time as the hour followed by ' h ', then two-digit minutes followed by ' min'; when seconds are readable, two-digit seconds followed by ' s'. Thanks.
11 h 49 min
